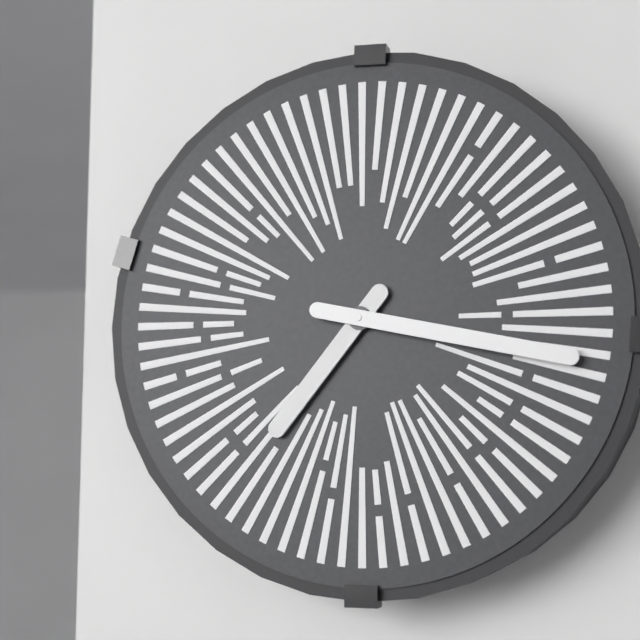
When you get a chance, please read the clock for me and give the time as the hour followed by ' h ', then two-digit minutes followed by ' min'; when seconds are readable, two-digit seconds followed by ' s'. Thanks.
7 h 17 min
